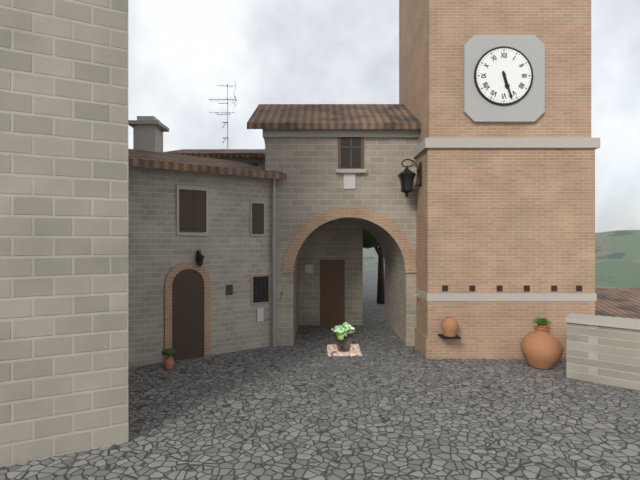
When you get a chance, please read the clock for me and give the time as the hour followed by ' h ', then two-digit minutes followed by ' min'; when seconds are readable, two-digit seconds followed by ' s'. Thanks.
5 h 27 min
